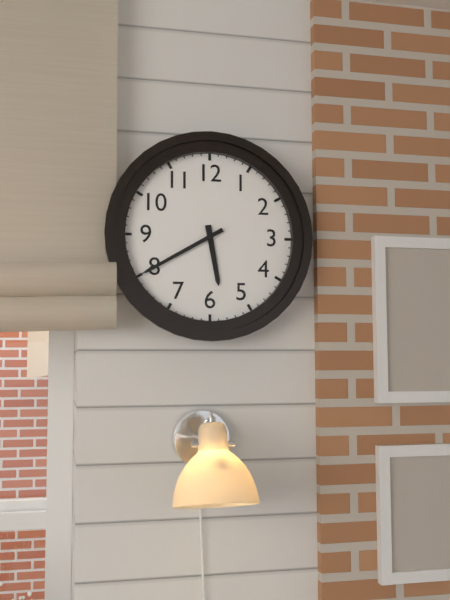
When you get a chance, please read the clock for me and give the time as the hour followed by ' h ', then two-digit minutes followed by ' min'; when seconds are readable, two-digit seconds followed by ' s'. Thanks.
5 h 40 min
